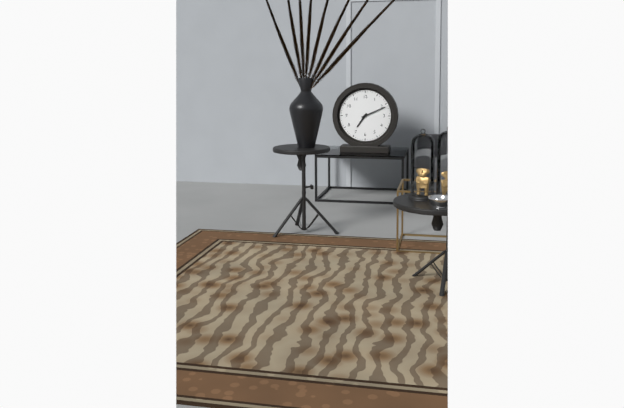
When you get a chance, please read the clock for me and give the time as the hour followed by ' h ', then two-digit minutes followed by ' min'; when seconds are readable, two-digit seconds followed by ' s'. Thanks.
7 h 11 min
